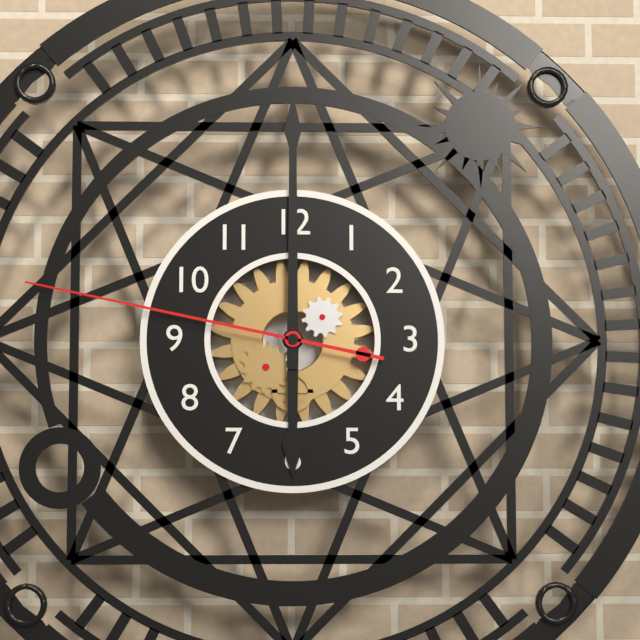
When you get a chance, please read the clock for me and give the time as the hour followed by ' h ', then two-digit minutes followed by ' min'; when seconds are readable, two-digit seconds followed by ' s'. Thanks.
6 h 00 min 47 s
